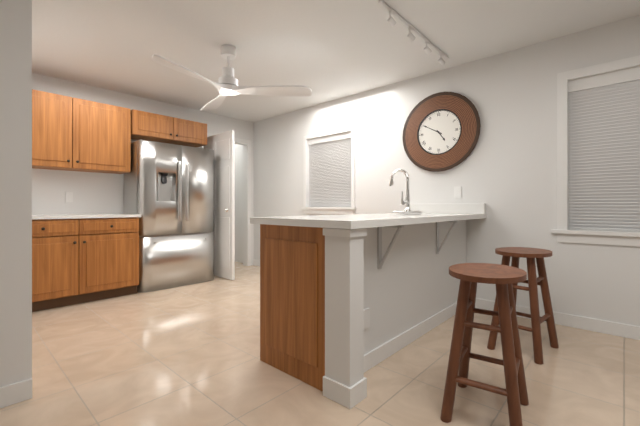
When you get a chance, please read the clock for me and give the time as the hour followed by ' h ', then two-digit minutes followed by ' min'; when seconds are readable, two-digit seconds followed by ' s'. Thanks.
4 h 50 min
